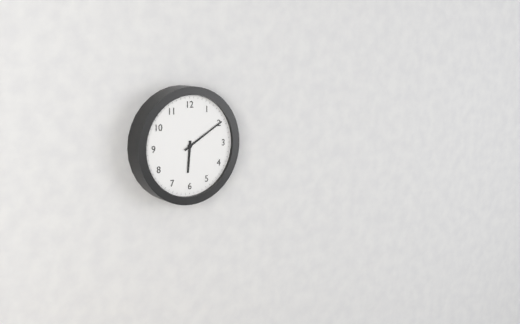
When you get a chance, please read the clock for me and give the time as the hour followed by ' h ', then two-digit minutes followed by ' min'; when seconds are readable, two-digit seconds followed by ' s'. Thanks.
6 h 10 min
